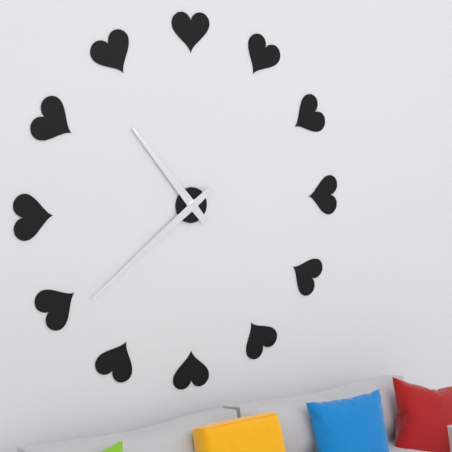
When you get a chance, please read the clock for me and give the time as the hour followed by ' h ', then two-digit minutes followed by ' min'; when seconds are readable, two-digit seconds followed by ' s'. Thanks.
10 h 39 min
